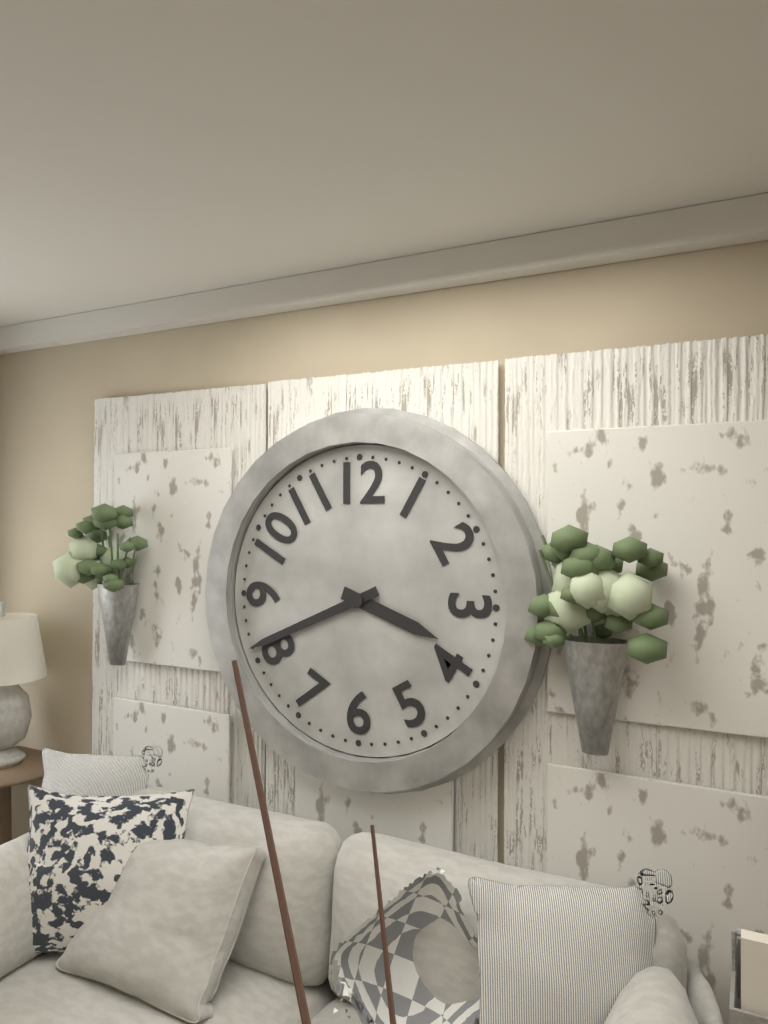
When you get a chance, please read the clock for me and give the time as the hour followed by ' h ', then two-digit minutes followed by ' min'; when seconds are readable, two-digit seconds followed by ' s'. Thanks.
3 h 41 min
